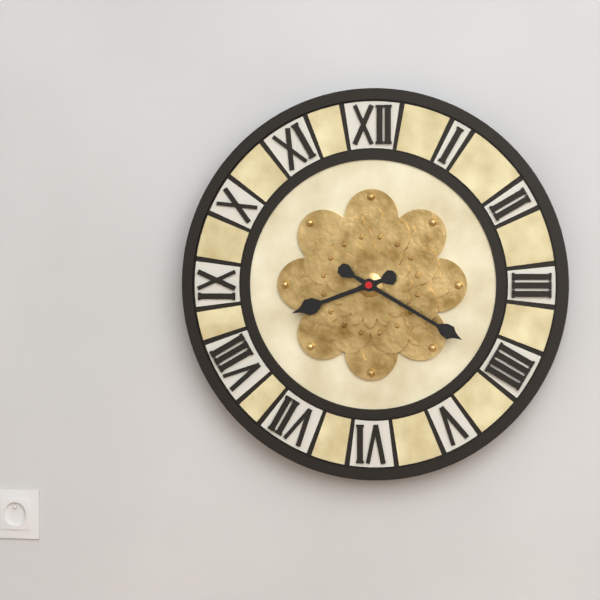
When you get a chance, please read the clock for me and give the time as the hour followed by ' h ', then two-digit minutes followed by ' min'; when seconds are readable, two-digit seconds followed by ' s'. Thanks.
8 h 20 min
